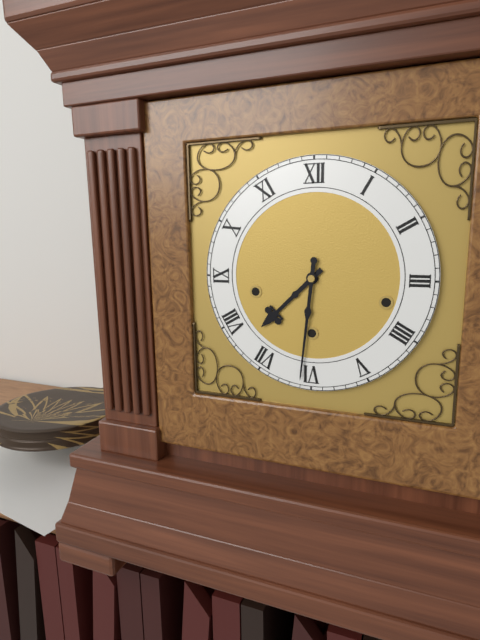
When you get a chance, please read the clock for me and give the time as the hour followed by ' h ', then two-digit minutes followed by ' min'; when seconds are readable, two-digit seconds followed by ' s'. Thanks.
7 h 31 min
